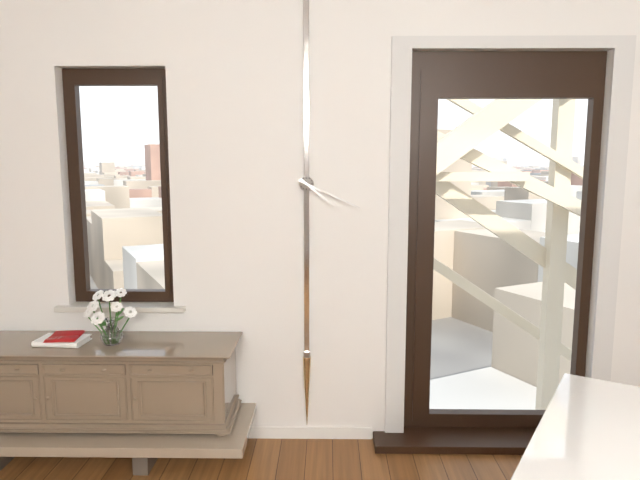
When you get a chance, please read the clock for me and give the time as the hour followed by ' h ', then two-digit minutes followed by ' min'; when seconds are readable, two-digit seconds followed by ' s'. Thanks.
4 h 19 min
